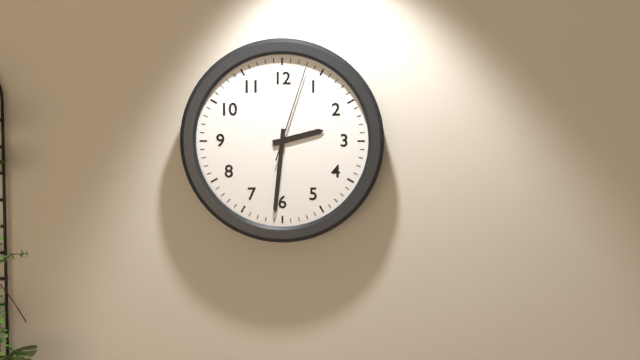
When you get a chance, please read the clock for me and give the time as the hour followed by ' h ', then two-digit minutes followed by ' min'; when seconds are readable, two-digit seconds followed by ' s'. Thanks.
2 h 31 min 03 s
